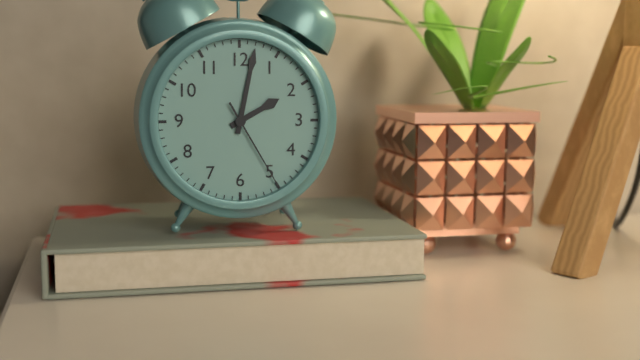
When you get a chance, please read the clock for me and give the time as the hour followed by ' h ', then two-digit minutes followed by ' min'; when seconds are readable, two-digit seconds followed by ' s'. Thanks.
2 h 02 min 25 s
